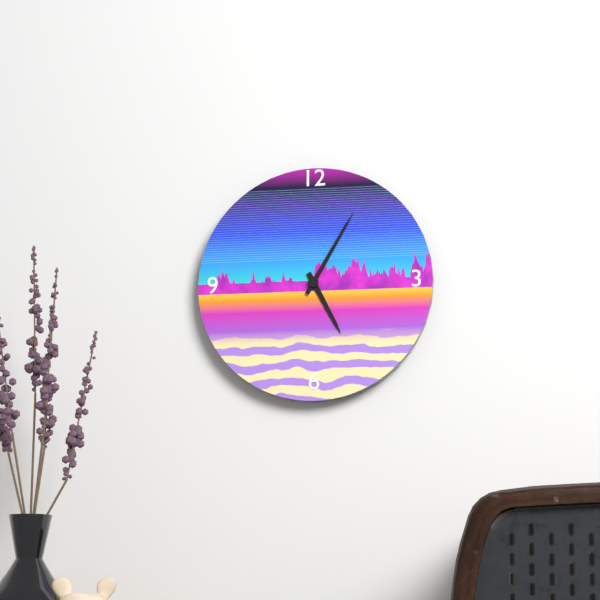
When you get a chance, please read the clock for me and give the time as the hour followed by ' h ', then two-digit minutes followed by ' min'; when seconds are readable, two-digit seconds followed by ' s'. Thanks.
5 h 05 min
